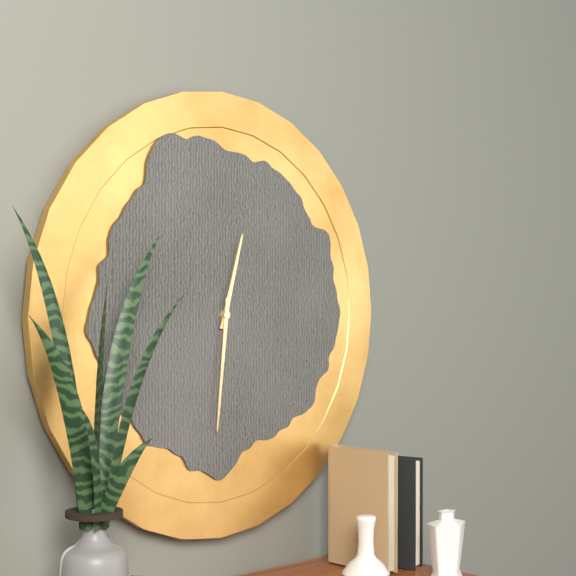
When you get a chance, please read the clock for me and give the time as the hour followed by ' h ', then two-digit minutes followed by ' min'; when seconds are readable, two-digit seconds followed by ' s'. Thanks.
12 h 31 min
